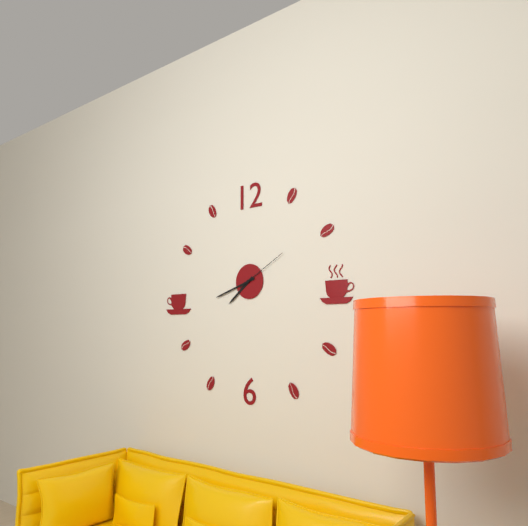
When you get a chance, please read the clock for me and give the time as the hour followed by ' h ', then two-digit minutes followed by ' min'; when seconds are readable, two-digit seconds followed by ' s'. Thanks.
7 h 42 min 10 s
